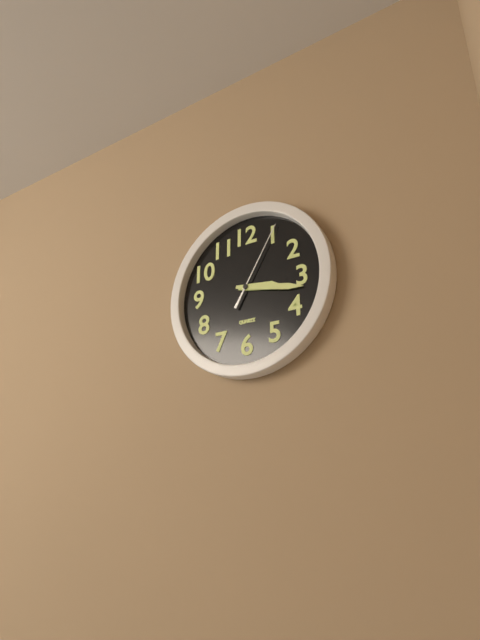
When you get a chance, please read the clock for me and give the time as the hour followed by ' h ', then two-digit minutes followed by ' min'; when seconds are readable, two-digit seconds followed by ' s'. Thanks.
3 h 17 min 05 s
